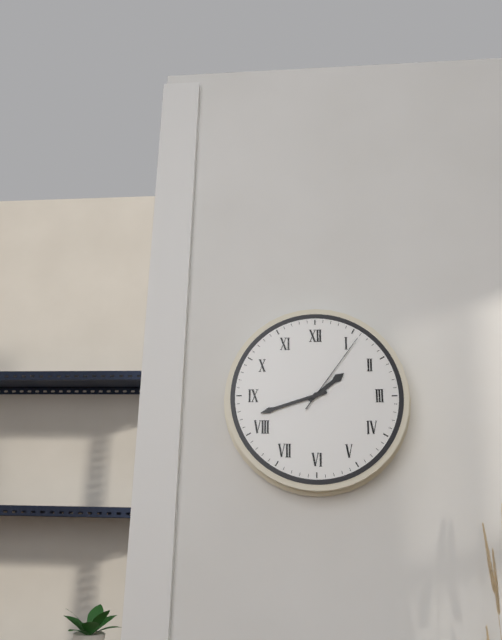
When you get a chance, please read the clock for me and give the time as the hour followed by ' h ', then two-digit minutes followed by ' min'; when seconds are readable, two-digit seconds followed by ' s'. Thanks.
1 h 42 min 06 s
